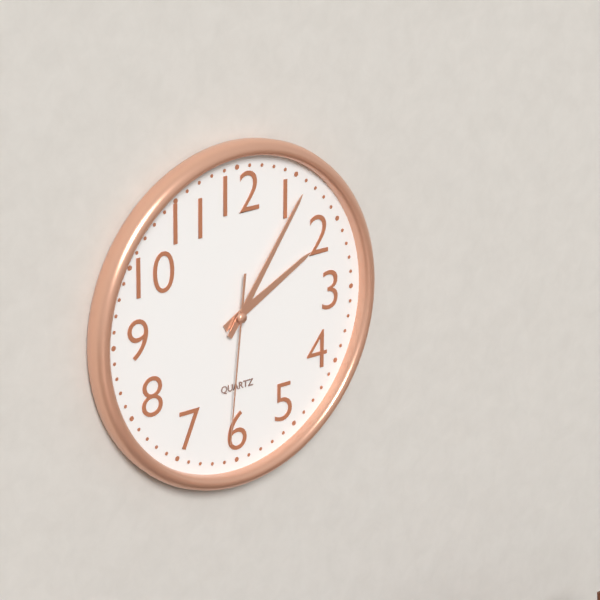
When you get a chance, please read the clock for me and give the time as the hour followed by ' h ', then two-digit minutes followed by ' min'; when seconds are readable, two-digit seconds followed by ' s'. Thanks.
2 h 06 min 31 s
